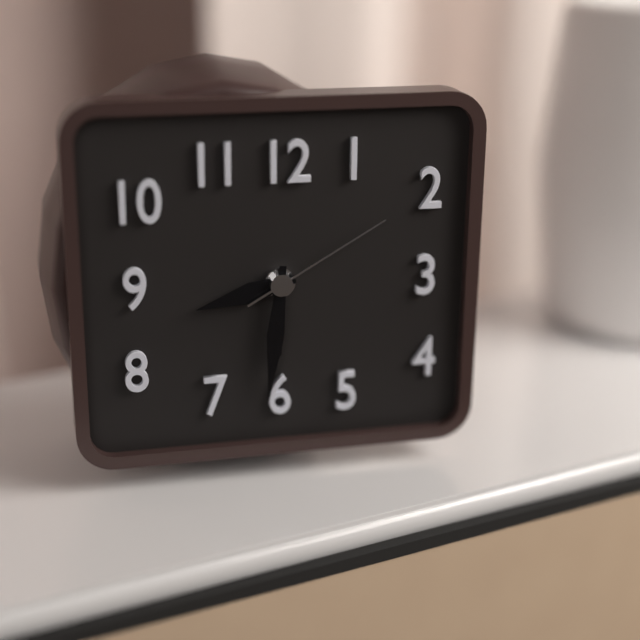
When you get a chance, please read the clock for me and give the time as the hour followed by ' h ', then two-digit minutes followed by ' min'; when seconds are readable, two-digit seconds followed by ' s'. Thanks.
8 h 31 min 10 s
